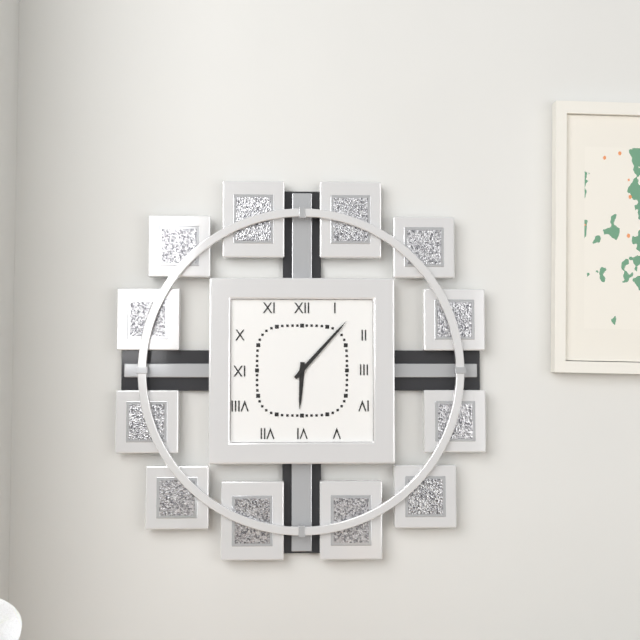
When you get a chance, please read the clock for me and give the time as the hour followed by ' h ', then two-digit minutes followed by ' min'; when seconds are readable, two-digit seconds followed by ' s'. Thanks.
6 h 07 min
